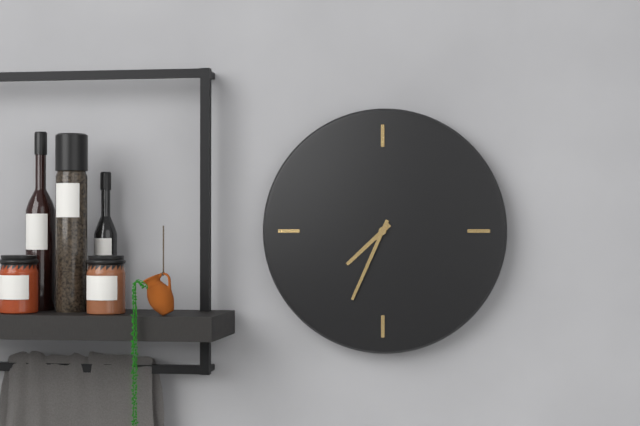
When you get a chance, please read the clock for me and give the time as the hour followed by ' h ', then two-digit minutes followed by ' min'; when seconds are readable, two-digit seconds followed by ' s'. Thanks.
7 h 34 min
